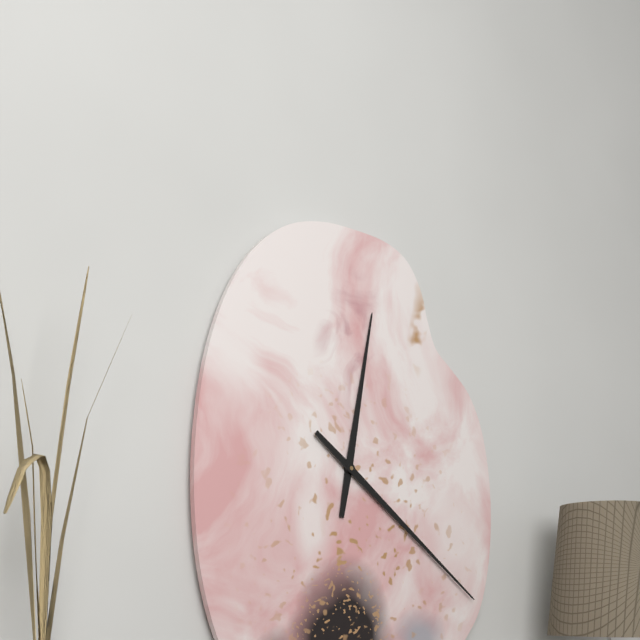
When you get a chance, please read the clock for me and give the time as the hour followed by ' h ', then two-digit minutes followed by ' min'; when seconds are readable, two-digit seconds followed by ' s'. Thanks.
12 h 21 min
